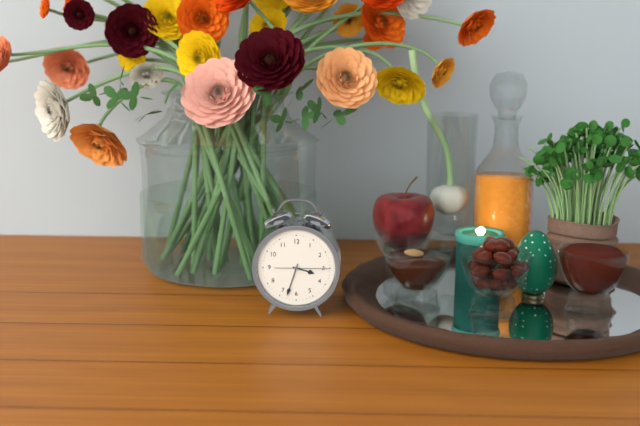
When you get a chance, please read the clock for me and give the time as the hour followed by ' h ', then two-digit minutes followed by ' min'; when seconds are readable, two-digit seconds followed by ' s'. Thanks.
3 h 33 min
